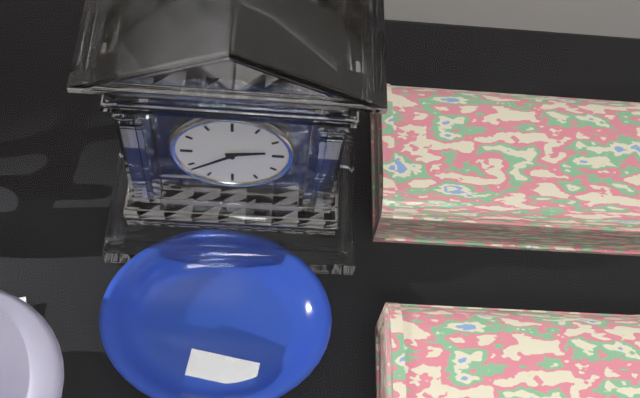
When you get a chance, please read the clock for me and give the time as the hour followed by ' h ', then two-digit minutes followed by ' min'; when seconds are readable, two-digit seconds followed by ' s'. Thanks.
2 h 39 min
